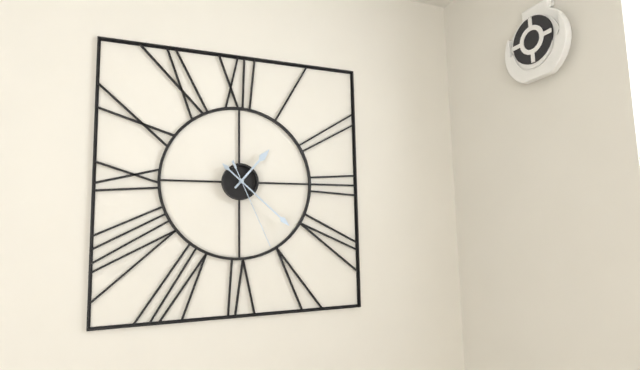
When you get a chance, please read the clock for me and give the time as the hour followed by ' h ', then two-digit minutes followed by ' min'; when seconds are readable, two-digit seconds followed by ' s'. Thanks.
1 h 22 min 26 s
